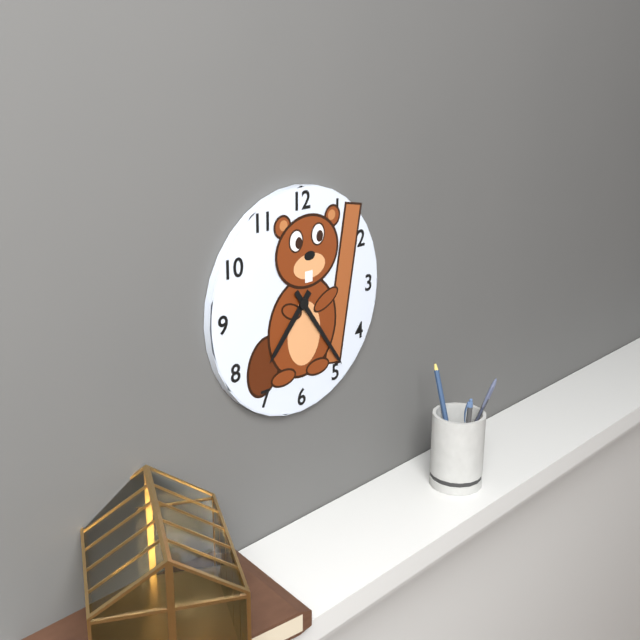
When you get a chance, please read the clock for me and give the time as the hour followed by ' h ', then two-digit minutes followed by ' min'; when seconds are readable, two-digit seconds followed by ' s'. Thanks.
7 h 24 min
